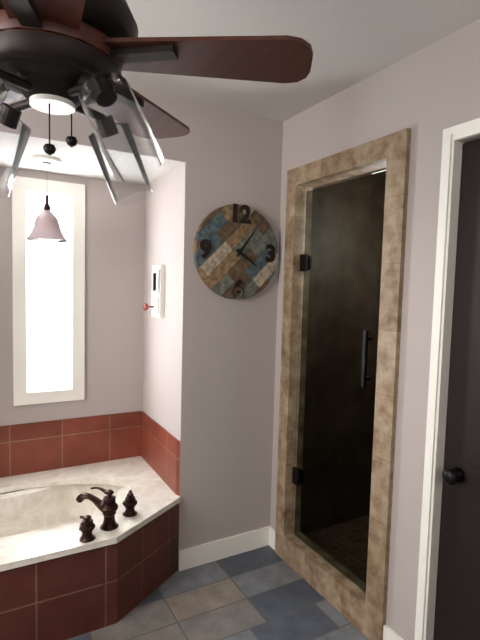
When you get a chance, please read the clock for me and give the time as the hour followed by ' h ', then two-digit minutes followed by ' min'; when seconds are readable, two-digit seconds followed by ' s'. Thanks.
4 h 06 min
